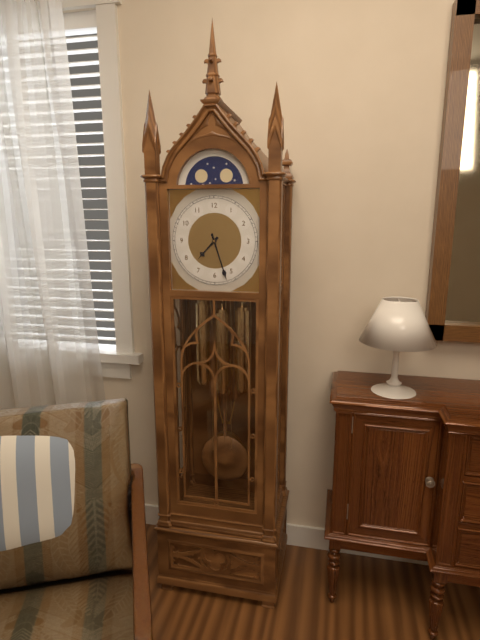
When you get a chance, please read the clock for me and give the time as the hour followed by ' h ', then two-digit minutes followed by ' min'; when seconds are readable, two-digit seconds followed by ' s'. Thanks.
7 h 27 min
